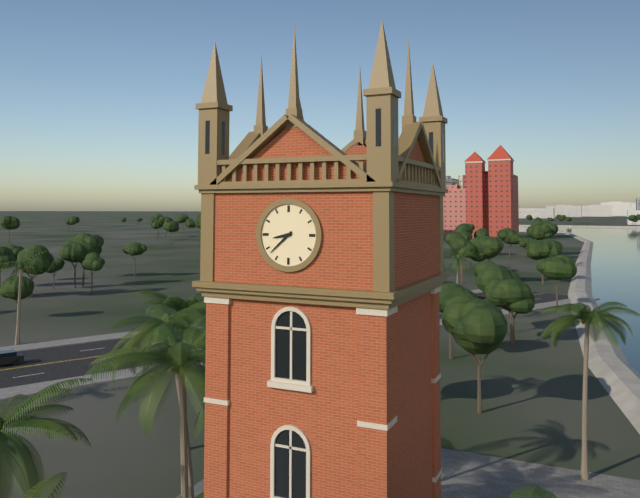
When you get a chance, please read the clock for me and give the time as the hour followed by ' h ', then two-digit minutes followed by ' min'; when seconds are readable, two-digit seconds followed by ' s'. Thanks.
8 h 38 min
